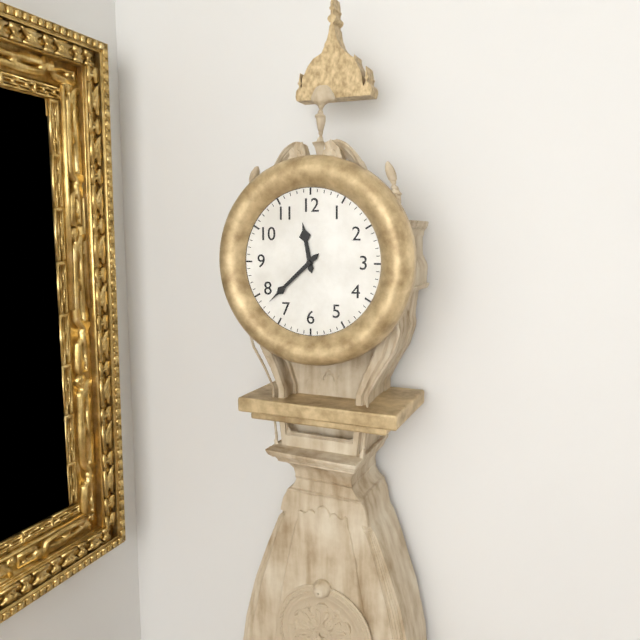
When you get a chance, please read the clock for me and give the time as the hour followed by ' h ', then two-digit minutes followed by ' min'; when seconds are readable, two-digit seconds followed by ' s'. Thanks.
11 h 38 min
